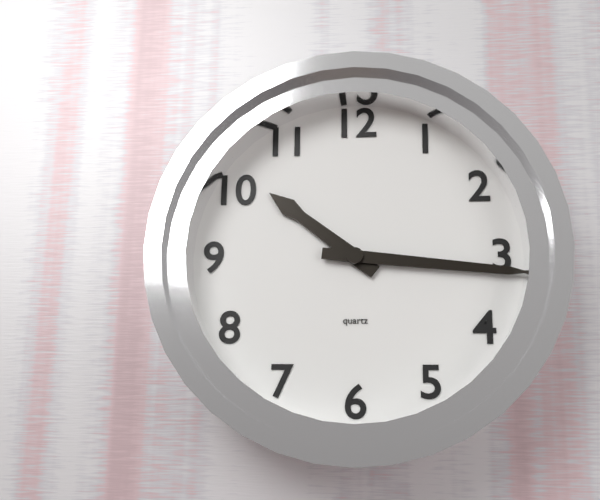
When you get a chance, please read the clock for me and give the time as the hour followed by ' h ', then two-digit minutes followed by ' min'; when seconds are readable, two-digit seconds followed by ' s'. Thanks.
10 h 16 min
